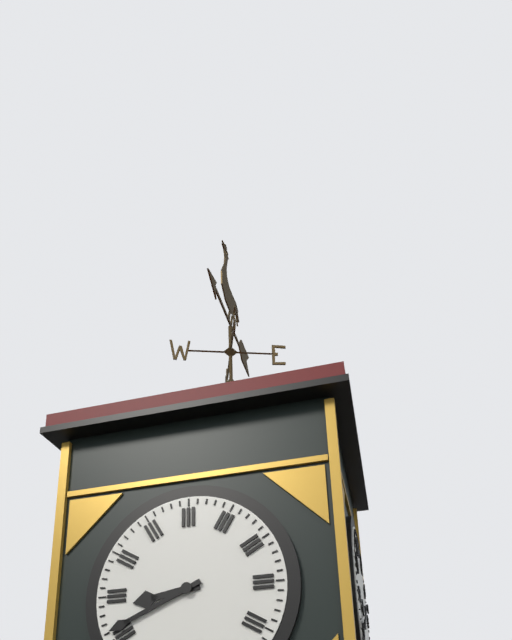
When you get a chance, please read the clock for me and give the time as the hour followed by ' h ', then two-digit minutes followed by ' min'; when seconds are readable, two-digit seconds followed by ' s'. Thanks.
8 h 41 min
